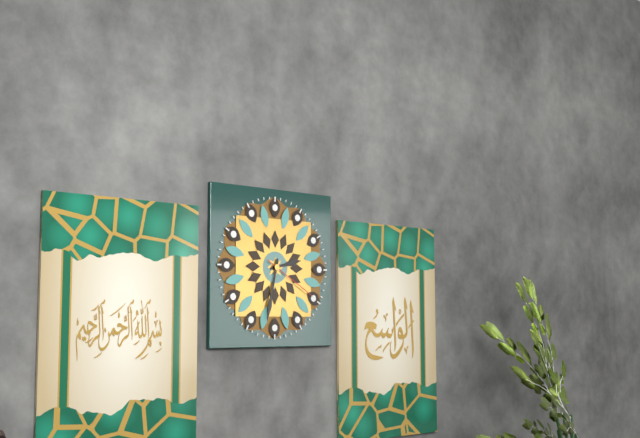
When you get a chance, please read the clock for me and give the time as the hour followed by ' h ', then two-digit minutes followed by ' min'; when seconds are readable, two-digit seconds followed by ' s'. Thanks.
2 h 32 min 20 s
